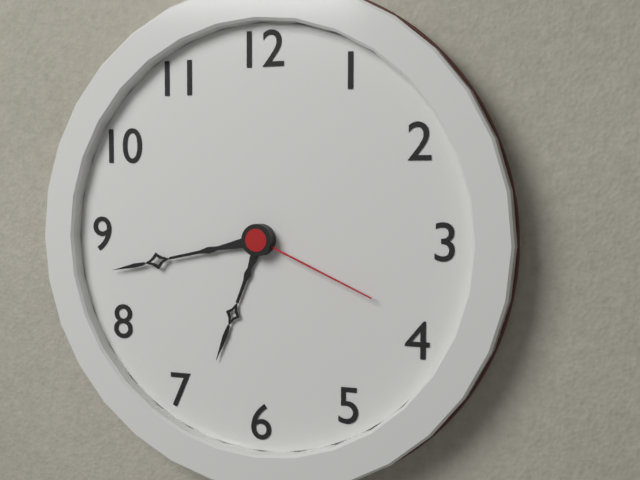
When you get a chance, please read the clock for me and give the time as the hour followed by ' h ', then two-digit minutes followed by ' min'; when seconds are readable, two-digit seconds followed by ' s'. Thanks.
6 h 43 min 19 s
